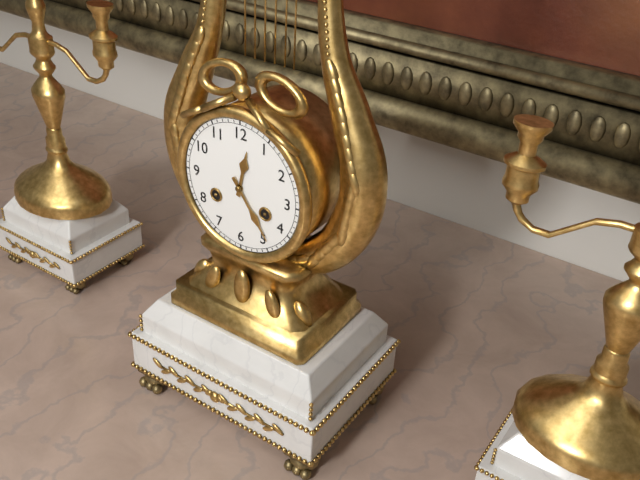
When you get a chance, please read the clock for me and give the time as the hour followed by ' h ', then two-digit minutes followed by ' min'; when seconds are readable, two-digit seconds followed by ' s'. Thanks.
12 h 24 min
